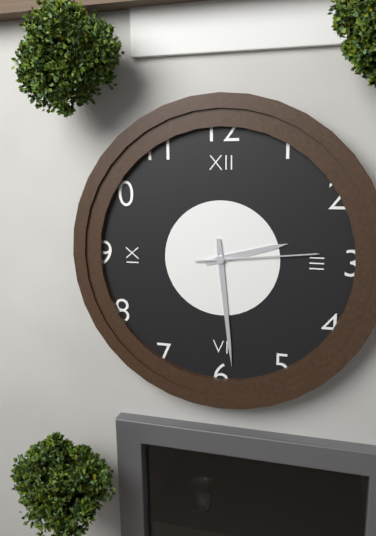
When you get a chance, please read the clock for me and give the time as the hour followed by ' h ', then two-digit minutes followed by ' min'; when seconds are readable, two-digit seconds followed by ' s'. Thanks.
2 h 29 min 14 s
